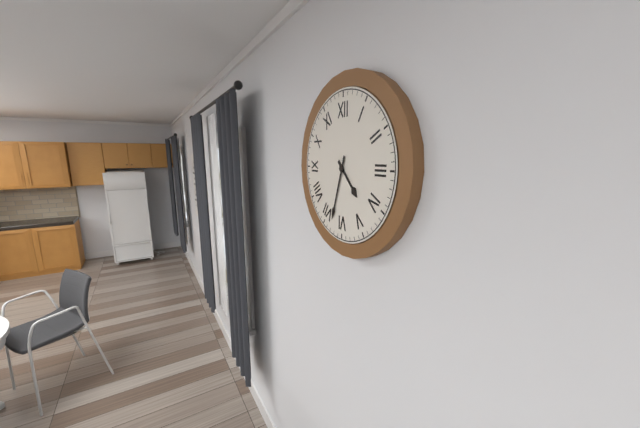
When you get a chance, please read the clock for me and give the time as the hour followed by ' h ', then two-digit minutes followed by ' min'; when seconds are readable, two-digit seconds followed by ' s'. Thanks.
4 h 33 min
